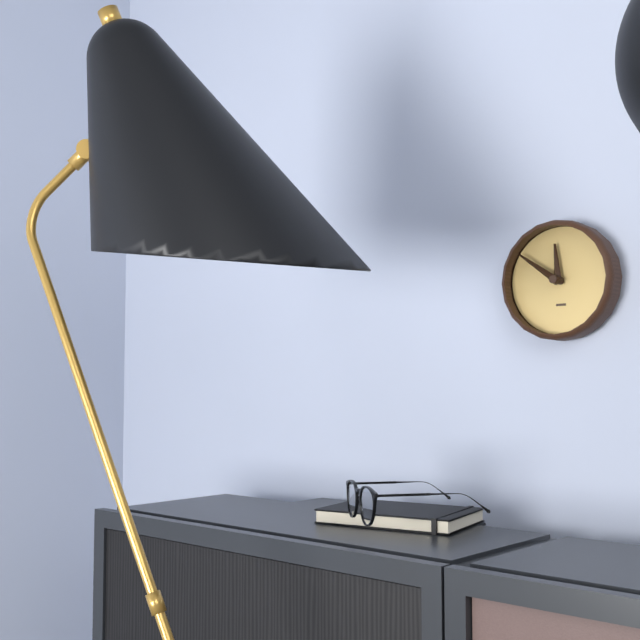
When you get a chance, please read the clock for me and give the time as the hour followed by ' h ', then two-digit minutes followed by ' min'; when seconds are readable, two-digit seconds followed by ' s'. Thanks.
11 h 51 min
